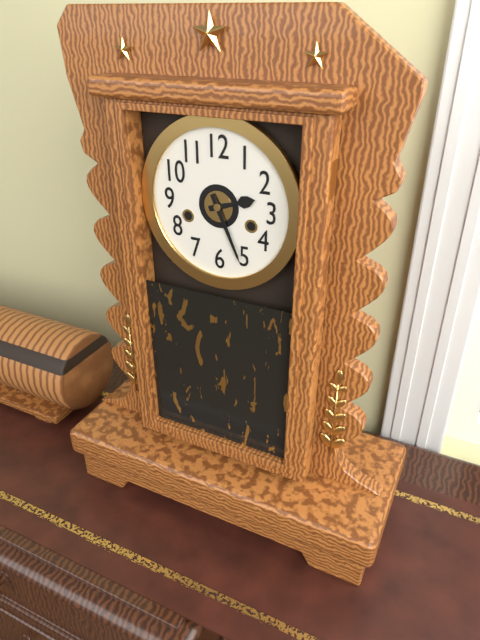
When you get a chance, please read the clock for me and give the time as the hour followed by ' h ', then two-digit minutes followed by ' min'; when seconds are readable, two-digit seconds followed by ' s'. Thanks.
2 h 26 min
